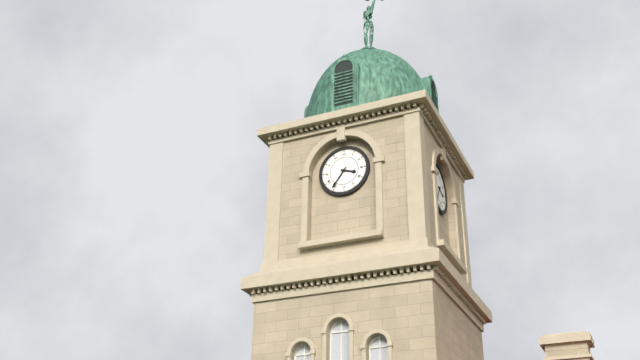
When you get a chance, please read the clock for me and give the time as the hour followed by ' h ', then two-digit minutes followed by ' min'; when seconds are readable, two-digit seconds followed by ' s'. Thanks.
3 h 36 min
